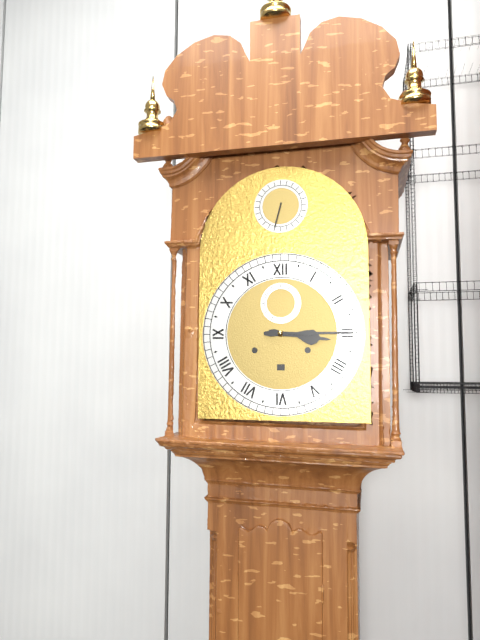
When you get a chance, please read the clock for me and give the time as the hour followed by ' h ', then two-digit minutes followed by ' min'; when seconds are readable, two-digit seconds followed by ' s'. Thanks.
3 h 15 min
